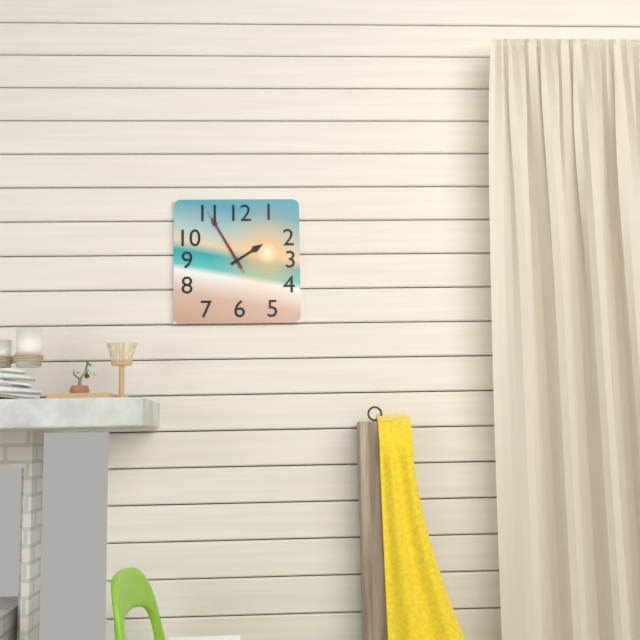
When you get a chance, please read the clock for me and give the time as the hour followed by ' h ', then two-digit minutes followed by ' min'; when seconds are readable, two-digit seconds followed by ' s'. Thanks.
1 h 55 min 55 s
